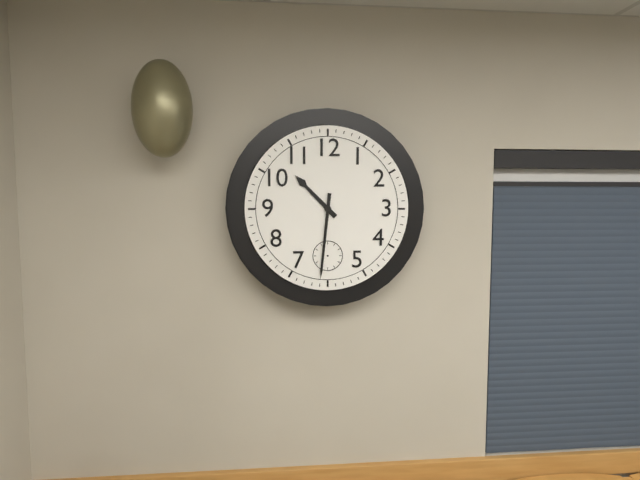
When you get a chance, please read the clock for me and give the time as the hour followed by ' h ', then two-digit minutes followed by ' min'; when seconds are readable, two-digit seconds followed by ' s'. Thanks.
10 h 31 min
